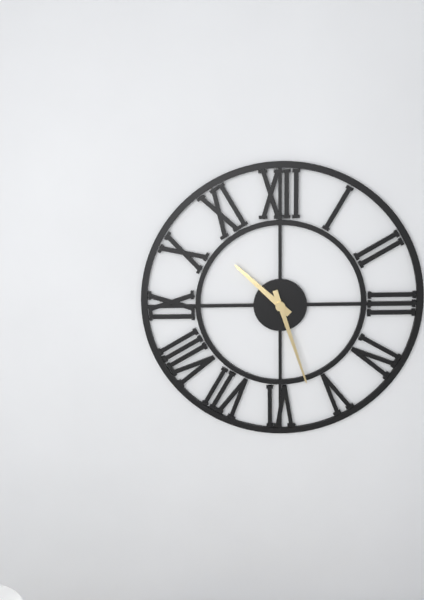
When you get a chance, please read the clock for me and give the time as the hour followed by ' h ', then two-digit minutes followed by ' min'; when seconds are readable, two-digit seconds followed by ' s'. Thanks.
10 h 27 min
